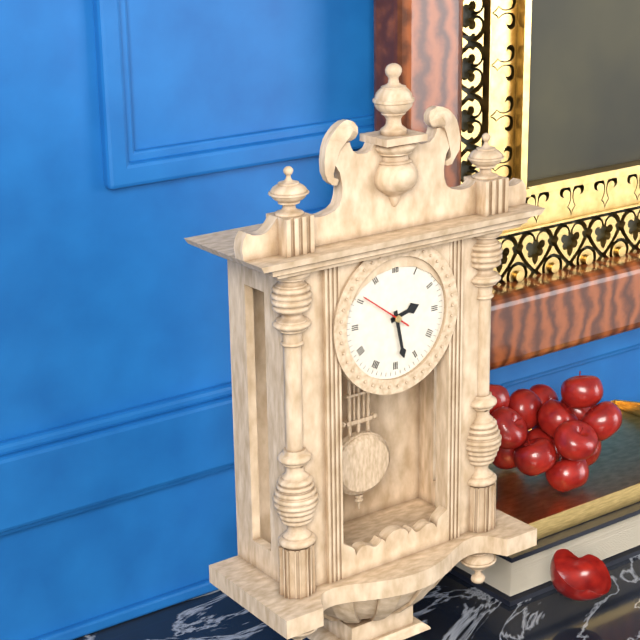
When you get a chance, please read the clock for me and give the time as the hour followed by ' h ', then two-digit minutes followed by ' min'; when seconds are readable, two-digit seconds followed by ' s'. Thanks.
2 h 28 min 51 s
